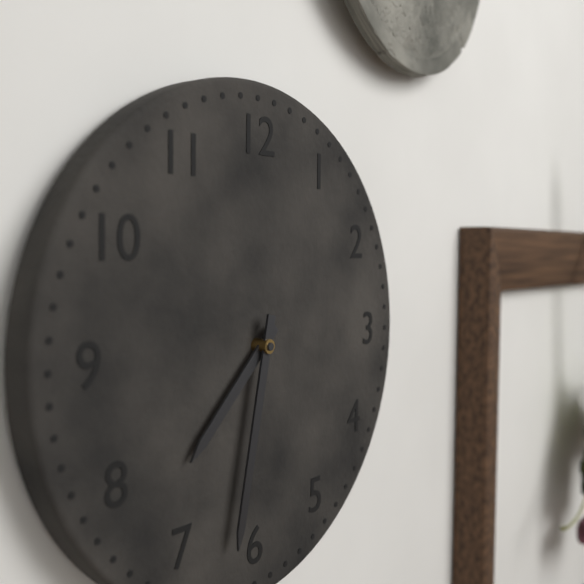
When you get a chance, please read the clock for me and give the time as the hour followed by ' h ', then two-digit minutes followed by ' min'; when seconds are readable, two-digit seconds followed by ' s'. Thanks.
7 h 32 min
